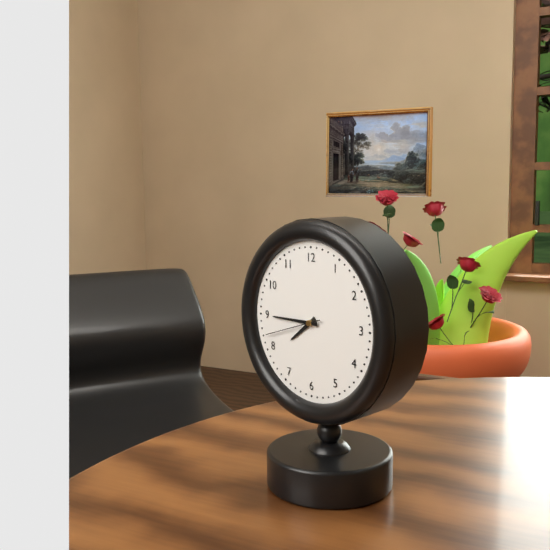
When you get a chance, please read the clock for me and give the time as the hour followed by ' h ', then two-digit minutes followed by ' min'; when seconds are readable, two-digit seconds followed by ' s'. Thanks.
7 h 45 min 42 s
